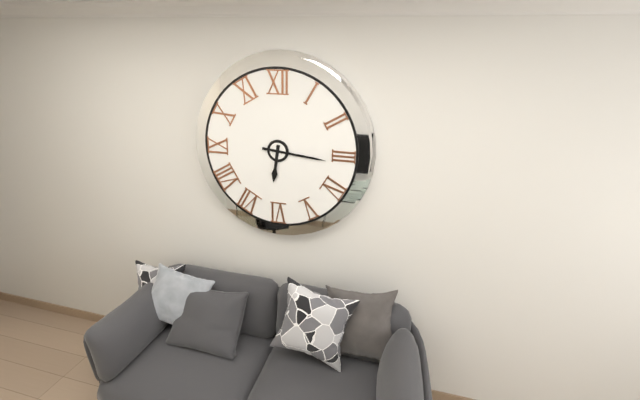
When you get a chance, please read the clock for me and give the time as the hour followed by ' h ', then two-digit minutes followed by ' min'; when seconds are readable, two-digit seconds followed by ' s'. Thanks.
6 h 16 min
